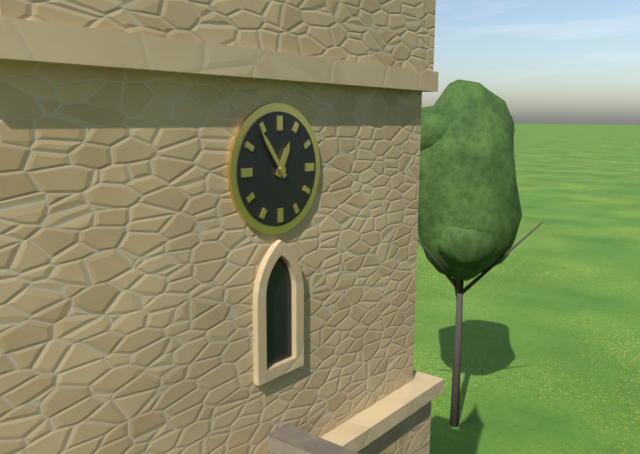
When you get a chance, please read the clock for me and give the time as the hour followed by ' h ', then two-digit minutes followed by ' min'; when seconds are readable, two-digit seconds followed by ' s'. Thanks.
12 h 54 min
